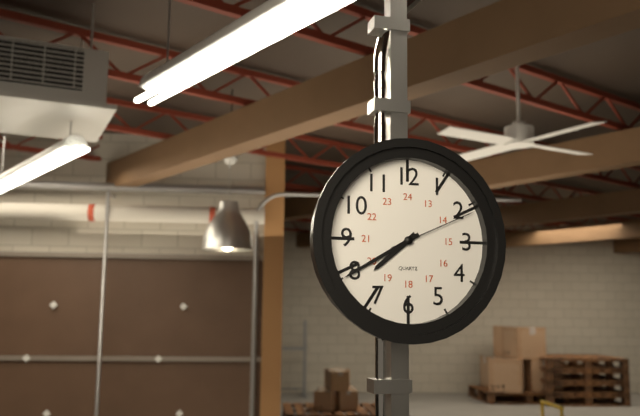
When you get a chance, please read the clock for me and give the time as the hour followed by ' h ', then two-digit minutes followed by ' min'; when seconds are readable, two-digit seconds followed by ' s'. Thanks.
7 h 40 min 11 s
